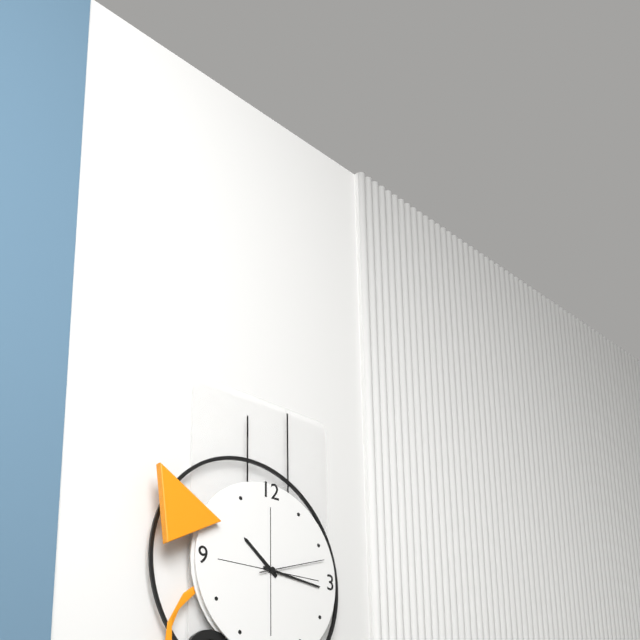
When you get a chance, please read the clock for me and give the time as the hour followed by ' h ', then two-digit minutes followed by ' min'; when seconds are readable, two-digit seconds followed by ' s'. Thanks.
10 h 16 min 12 s
